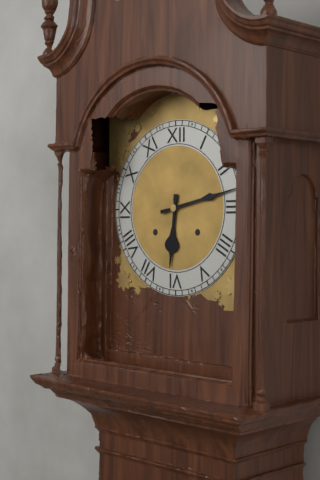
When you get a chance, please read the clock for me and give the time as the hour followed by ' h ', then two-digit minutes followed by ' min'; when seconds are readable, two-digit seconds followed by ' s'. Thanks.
6 h 13 min
